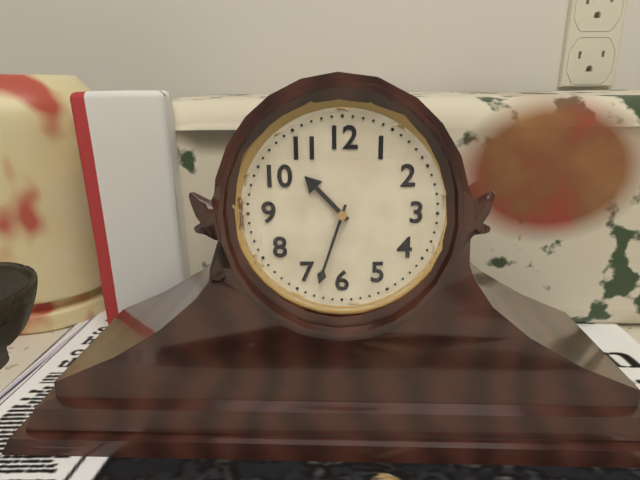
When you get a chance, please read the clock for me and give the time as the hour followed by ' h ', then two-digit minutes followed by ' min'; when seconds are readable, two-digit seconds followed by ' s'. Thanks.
10 h 33 min
